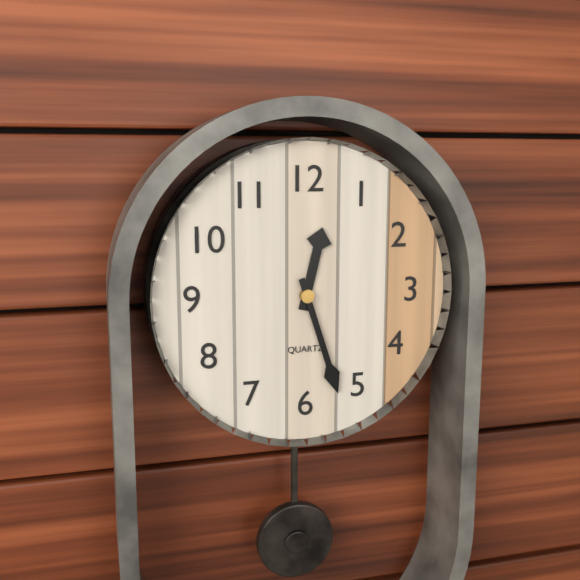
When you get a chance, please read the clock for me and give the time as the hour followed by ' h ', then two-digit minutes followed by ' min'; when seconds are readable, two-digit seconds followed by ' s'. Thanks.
12 h 27 min
